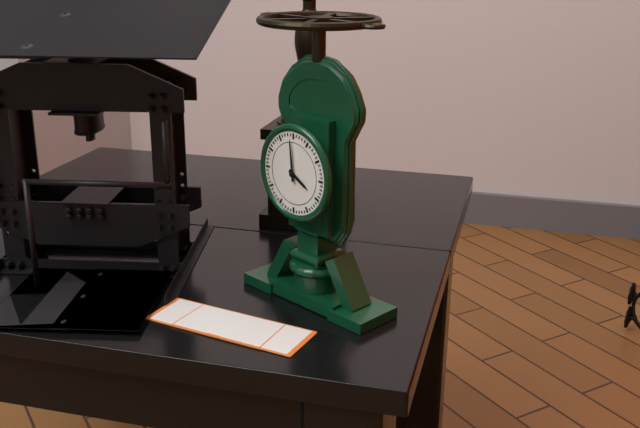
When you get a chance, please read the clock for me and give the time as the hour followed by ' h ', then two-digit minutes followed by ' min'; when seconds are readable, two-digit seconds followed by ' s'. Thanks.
3 h 59 min
